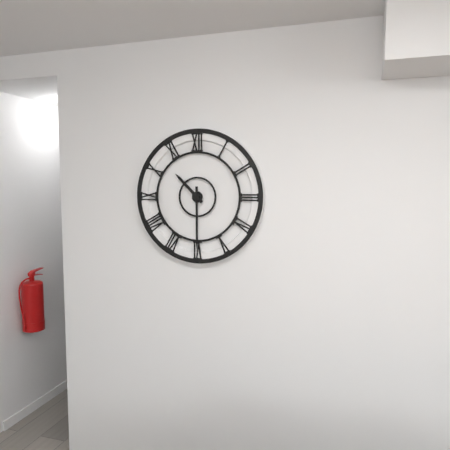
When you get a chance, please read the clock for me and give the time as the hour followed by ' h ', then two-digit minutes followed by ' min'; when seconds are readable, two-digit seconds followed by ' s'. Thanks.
10 h 30 min
